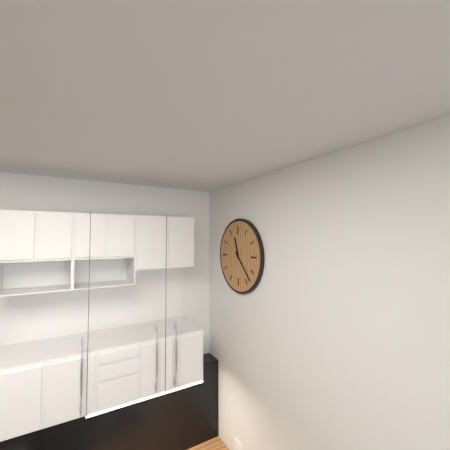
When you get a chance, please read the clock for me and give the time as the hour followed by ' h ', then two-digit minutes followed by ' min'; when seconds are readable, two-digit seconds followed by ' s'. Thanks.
11 h 23 min
